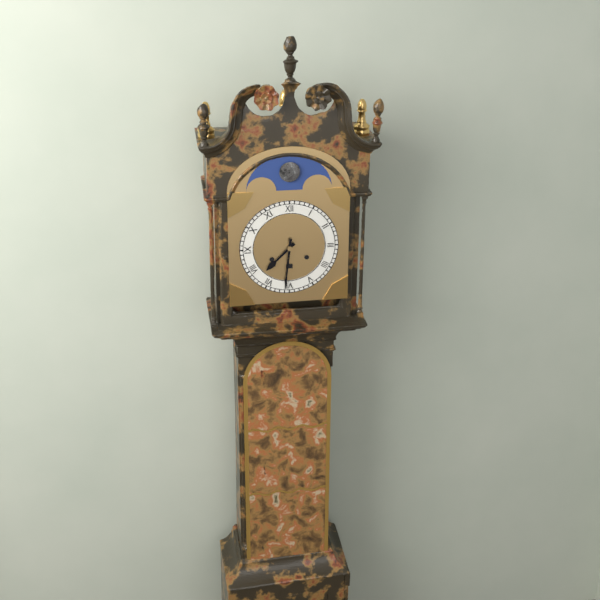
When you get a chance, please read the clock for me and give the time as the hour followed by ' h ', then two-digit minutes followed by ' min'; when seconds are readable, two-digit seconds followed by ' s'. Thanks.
7 h 31 min
